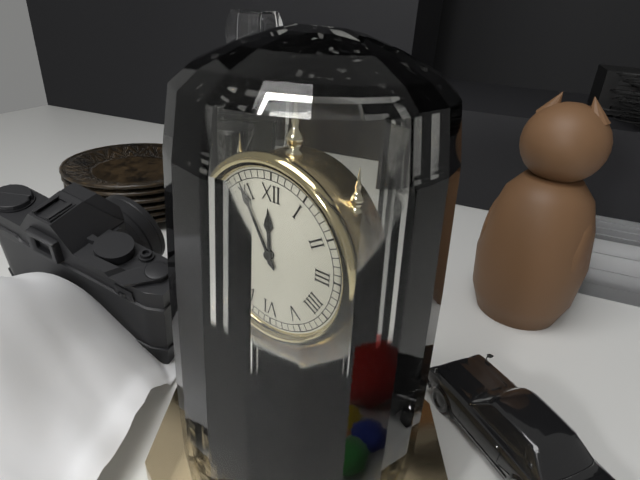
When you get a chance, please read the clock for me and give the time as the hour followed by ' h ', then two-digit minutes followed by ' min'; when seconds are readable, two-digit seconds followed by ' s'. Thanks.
11 h 55 min
